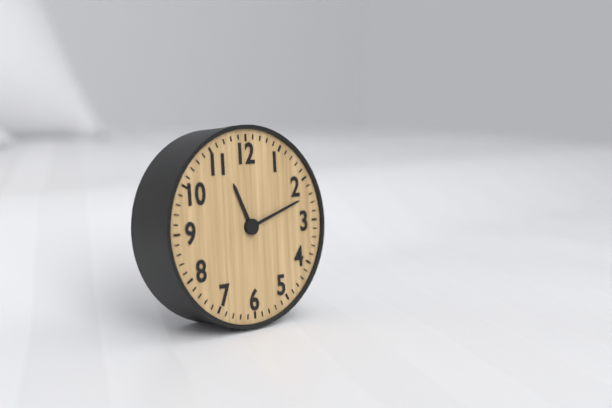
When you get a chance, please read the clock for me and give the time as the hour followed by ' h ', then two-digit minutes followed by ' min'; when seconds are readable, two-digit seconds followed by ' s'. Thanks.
11 h 12 min
